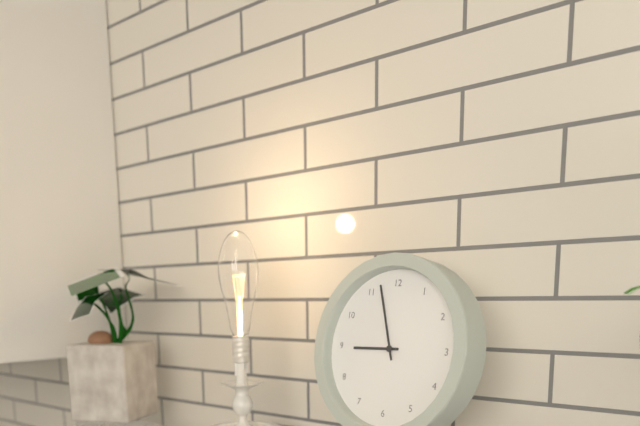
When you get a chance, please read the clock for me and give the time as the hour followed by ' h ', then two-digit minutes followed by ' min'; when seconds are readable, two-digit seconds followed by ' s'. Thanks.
8 h 57 min
